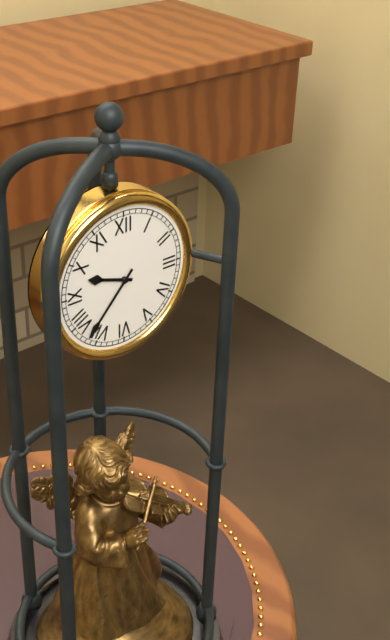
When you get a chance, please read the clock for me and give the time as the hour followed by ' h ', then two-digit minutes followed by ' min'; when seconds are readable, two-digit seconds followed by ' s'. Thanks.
9 h 37 min
